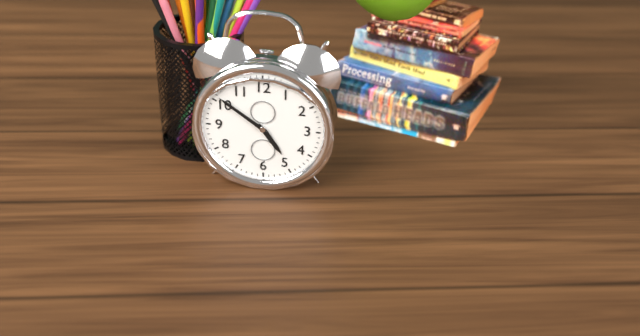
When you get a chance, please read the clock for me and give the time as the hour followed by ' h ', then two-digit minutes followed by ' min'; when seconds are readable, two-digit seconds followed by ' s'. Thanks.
4 h 51 min
